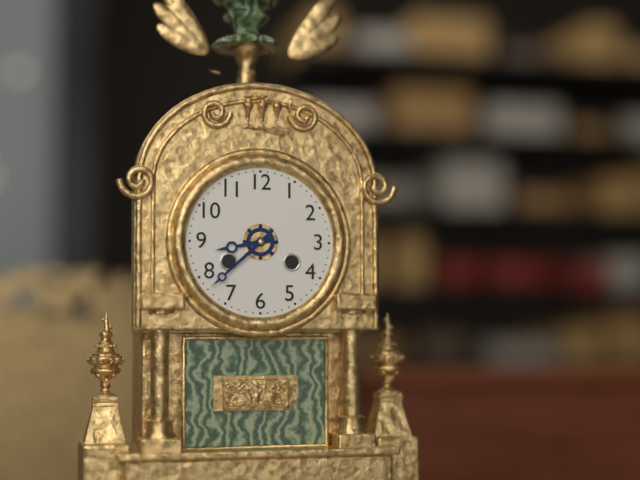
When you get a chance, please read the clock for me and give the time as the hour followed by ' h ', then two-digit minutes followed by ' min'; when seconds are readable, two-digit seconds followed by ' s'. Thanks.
8 h 38 min
